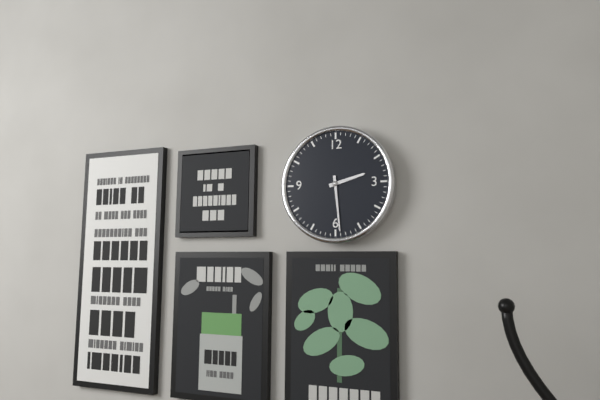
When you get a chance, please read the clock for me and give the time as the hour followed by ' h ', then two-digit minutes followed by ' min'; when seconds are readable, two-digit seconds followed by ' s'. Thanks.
2 h 29 min
